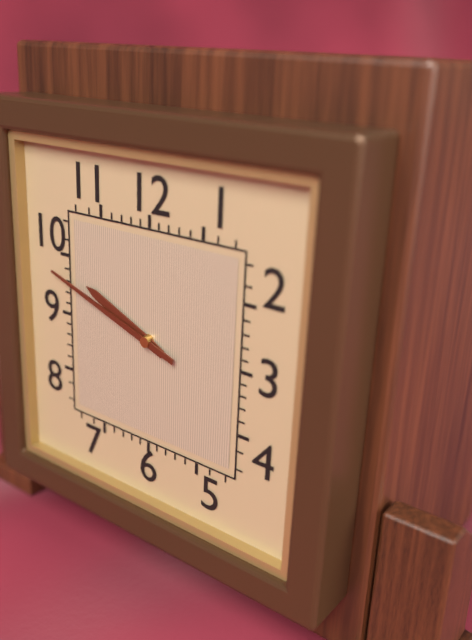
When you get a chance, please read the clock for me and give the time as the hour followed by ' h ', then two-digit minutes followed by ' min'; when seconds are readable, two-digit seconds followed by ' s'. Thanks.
9 h 48 min
